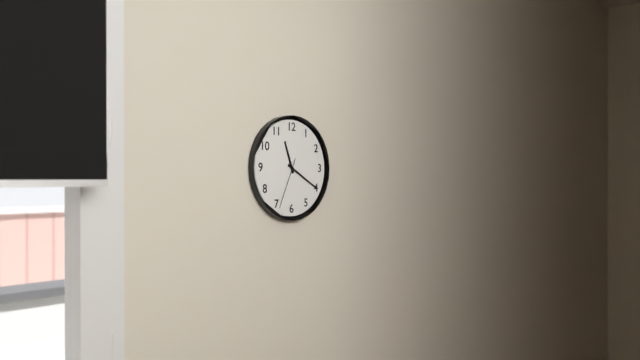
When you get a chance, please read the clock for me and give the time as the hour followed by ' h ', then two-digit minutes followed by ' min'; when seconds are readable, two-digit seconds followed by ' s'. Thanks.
11 h 20 min 34 s
